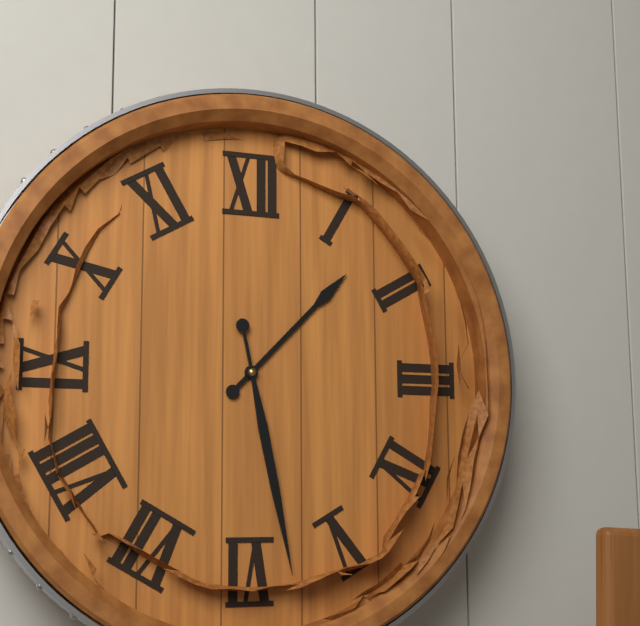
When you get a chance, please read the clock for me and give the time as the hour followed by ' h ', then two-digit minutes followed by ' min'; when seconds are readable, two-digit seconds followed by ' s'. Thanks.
1 h 28 min
